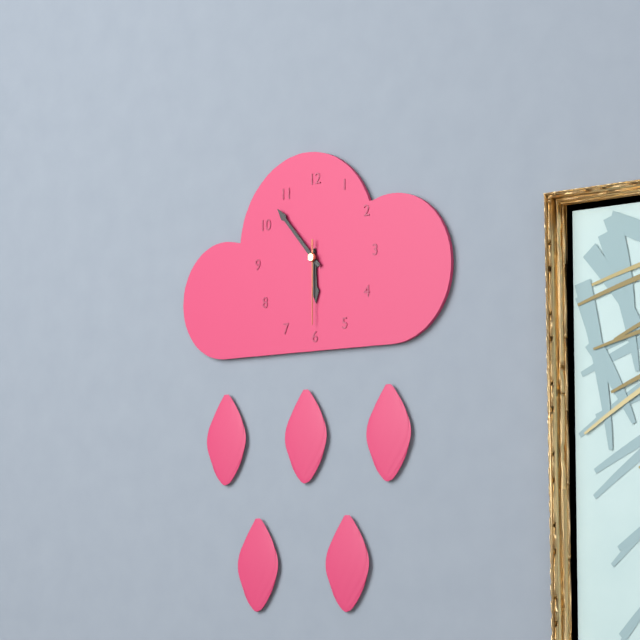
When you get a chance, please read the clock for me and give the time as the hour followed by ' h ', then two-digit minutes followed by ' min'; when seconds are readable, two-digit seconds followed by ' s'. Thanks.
5 h 53 min 30 s
